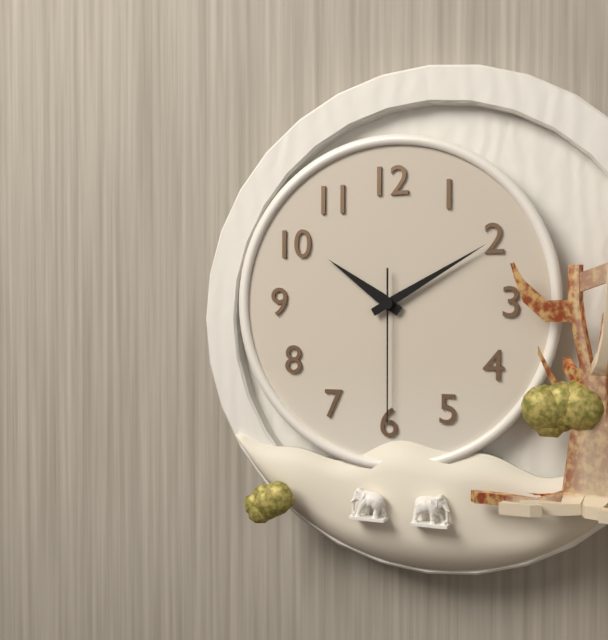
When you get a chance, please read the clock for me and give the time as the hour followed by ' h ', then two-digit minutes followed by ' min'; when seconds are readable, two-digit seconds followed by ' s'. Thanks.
10 h 10 min 30 s
